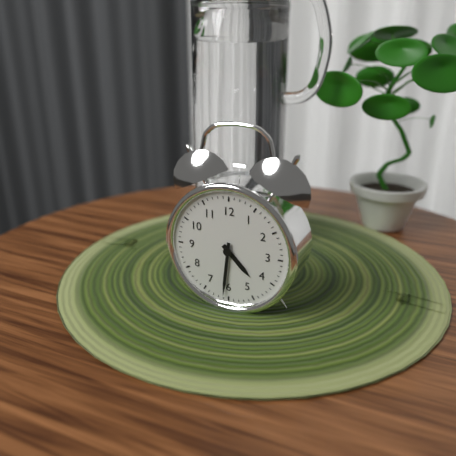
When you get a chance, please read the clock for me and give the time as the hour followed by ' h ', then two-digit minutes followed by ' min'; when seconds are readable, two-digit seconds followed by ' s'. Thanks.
4 h 31 min
